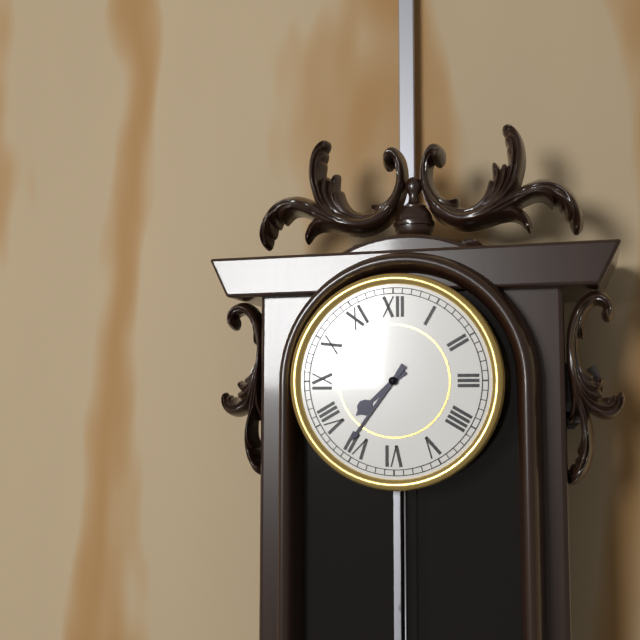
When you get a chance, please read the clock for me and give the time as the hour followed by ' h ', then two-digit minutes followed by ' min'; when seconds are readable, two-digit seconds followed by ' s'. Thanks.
7 h 36 min
